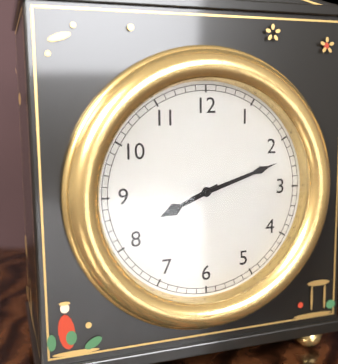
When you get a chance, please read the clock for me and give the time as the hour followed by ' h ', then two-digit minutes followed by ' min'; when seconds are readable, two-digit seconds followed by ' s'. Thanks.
8 h 12 min
